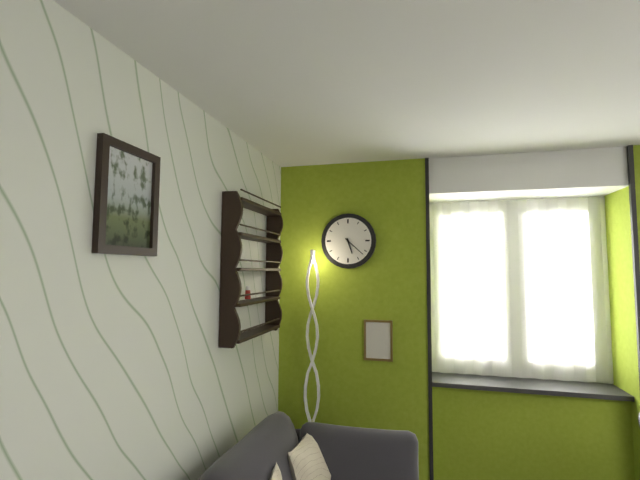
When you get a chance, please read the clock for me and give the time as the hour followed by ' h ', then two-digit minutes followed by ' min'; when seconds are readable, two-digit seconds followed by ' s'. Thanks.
5 h 22 min
